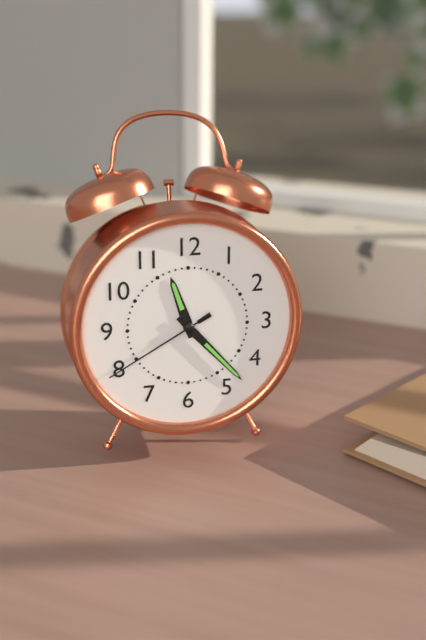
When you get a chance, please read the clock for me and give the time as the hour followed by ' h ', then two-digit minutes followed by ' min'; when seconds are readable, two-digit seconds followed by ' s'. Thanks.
11 h 23 min 40 s
